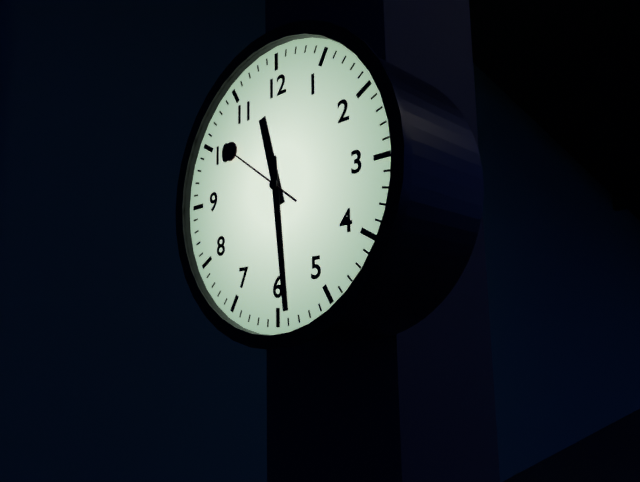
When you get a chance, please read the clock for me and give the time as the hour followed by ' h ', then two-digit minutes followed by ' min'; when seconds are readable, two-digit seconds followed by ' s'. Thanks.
11 h 29 min 51 s
